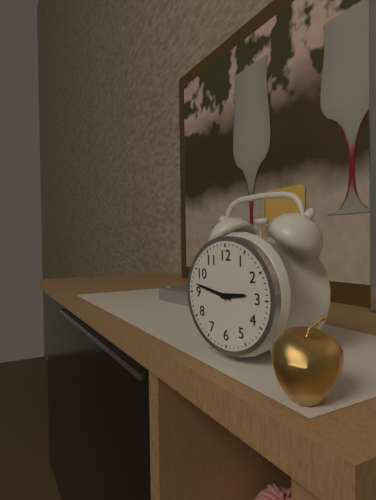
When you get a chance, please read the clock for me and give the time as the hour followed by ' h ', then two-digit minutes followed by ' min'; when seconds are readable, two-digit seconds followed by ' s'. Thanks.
2 h 47 min
